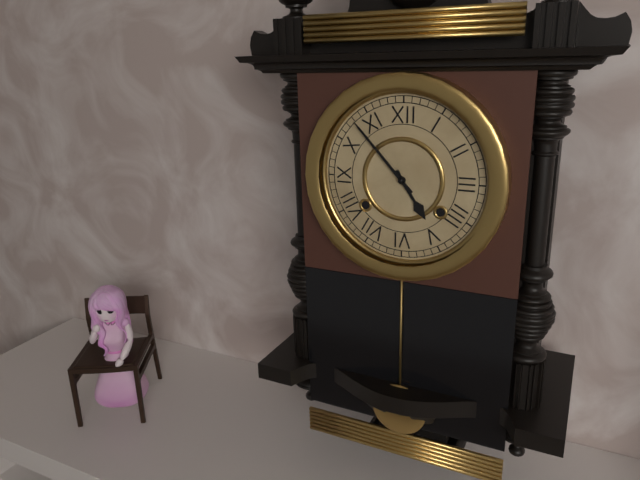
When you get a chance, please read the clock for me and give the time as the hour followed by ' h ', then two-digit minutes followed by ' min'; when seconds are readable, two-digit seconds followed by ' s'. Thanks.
4 h 53 min
